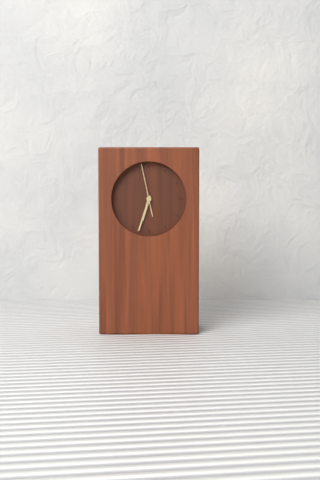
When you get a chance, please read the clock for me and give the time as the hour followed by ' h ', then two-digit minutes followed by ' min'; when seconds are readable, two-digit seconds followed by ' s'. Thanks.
6 h 33 min
